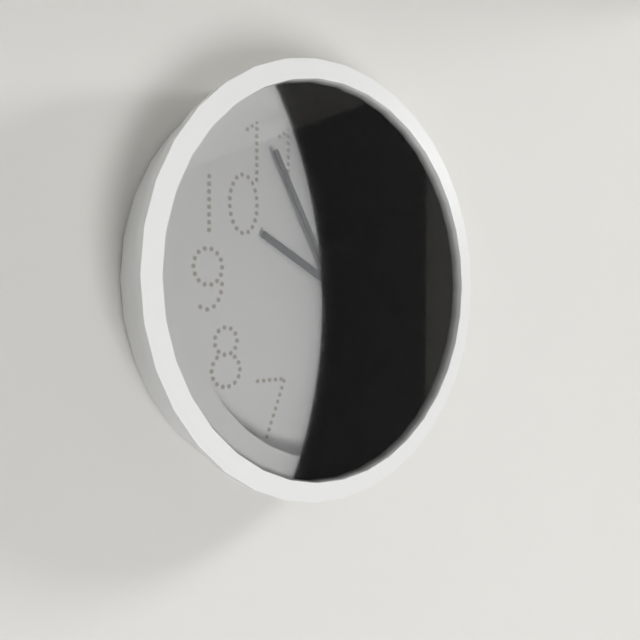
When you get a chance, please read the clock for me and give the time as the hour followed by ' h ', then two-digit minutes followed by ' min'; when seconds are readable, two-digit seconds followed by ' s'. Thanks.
9 h 55 min
